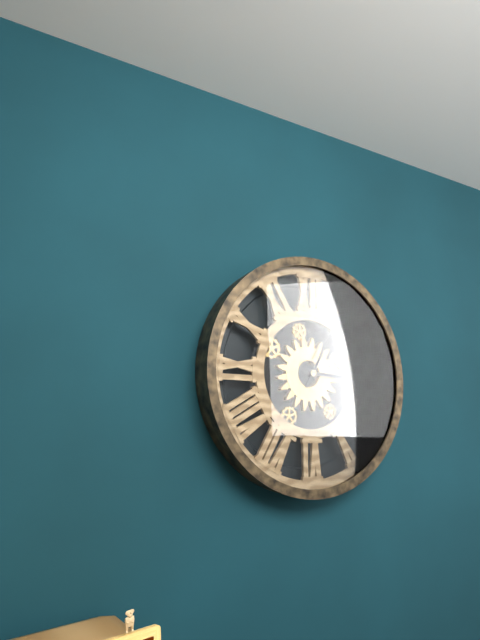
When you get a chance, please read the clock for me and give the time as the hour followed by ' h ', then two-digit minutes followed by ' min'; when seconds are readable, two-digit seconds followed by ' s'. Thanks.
3 h 05 min
